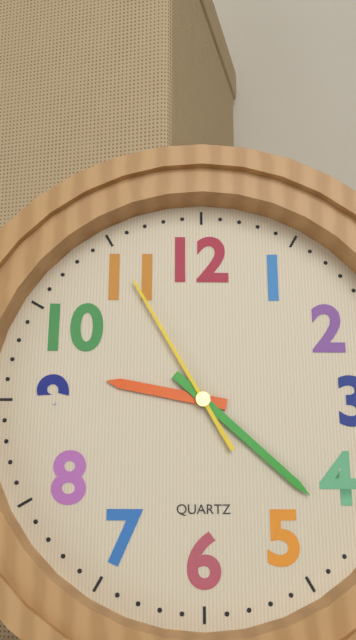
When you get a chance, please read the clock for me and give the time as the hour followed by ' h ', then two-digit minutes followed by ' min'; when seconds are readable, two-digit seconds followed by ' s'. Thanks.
9 h 22 min 55 s
